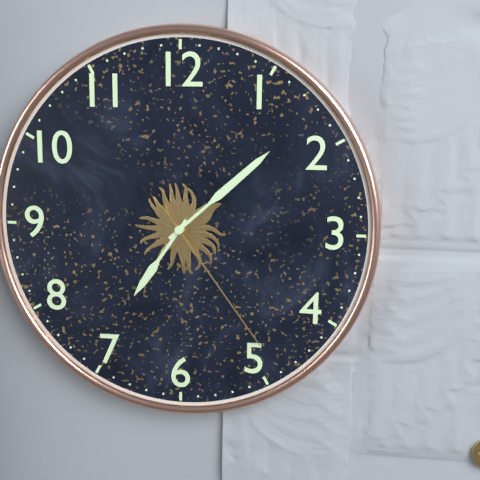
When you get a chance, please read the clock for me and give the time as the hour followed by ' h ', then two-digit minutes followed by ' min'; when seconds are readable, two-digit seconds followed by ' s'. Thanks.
7 h 08 min 24 s
